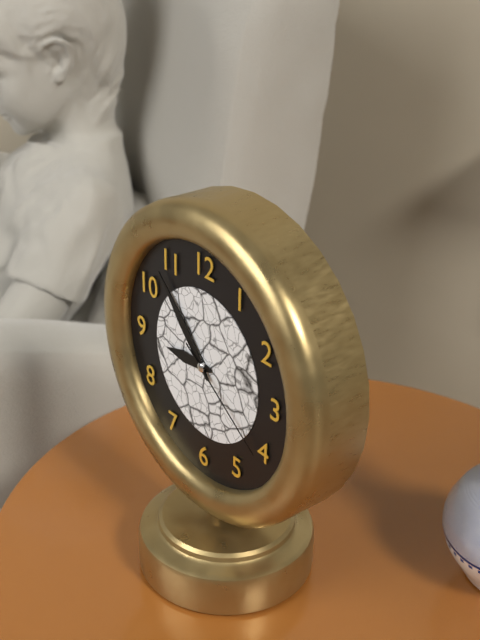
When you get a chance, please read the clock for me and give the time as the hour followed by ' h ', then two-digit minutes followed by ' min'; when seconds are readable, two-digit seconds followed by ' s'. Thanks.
8 h 53 min 21 s
